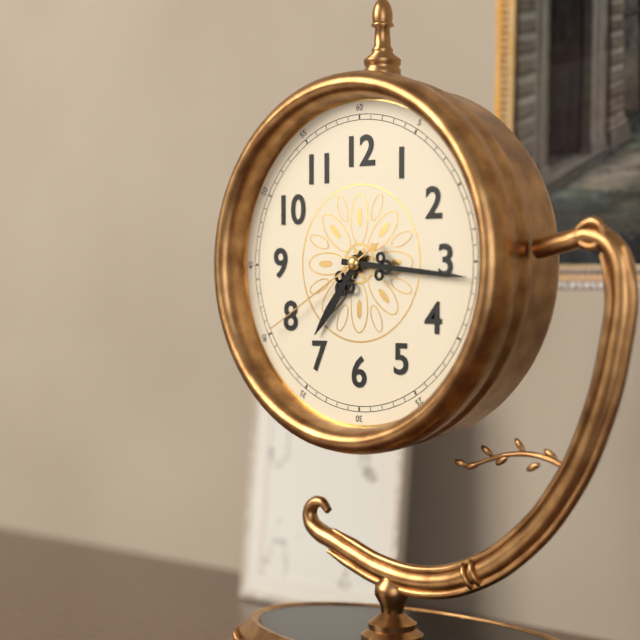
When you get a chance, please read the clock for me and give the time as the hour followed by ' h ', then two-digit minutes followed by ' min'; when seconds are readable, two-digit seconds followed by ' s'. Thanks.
7 h 16 min 40 s
